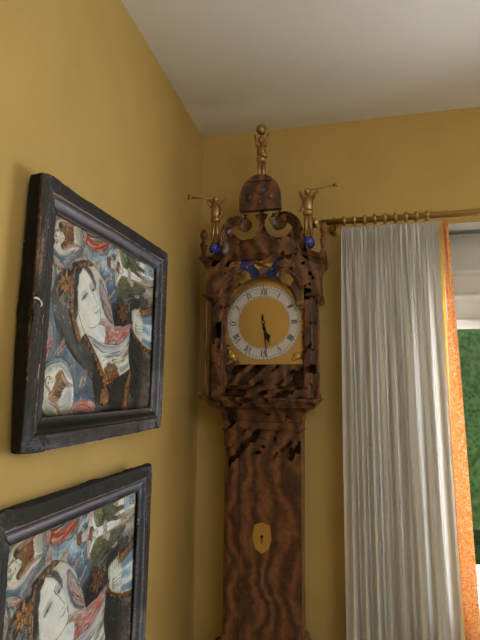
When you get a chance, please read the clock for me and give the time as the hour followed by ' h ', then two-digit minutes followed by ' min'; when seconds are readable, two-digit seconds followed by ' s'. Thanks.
5 h 29 min
